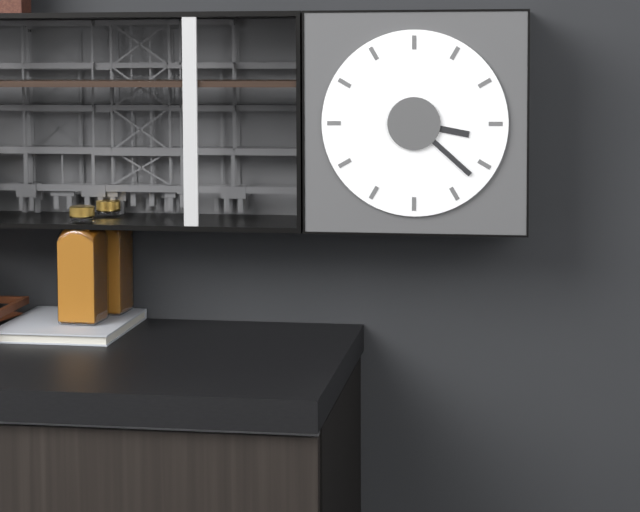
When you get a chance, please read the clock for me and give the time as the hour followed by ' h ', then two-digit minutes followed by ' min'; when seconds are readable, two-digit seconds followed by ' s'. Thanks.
3 h 22 min
